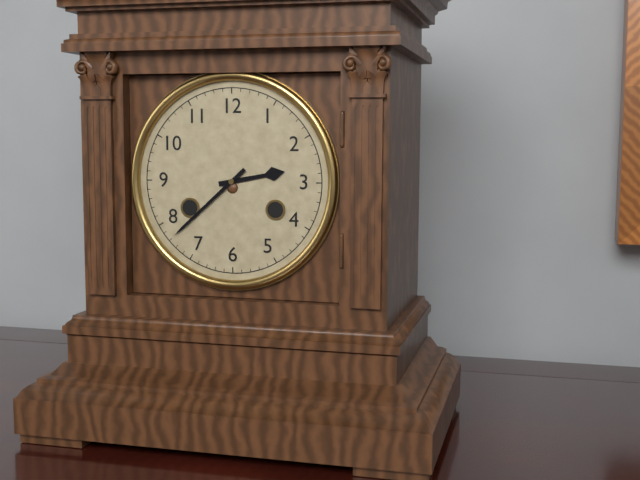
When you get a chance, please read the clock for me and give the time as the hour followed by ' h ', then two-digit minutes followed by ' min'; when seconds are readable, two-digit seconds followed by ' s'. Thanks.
2 h 38 min
